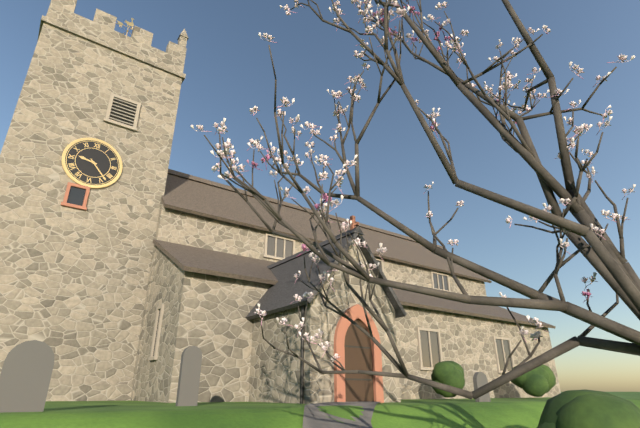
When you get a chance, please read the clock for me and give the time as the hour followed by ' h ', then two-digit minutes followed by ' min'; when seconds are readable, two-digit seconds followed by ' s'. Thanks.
9 h 23 min
